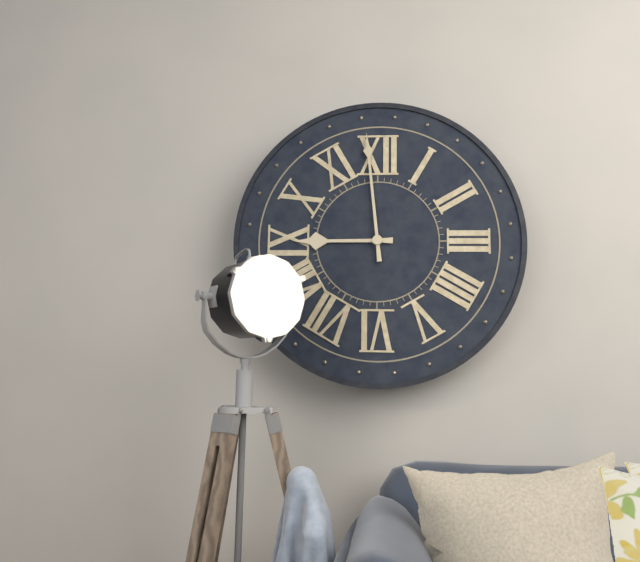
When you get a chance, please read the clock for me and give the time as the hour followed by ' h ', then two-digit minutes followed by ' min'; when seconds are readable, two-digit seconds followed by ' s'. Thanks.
8 h 59 min
